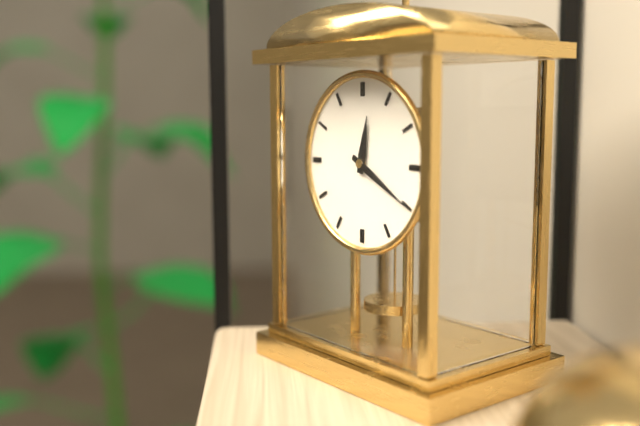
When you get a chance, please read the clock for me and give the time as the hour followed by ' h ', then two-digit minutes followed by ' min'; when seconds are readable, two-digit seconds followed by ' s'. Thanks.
12 h 20 min
